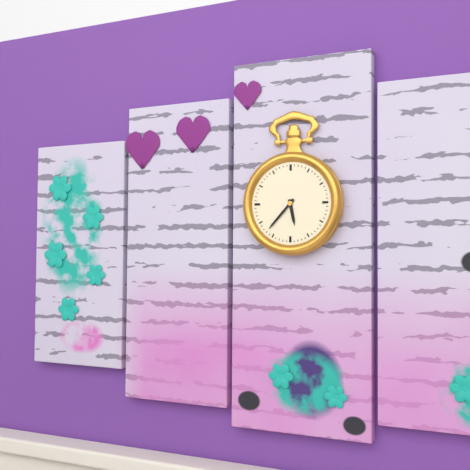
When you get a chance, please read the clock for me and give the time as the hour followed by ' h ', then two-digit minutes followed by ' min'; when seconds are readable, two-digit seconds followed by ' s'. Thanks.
5 h 37 min
